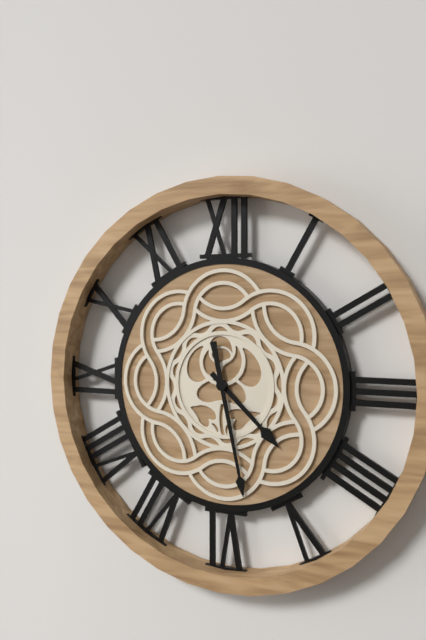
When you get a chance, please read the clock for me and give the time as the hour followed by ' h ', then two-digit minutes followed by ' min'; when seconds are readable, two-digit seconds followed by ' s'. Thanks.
4 h 28 min
